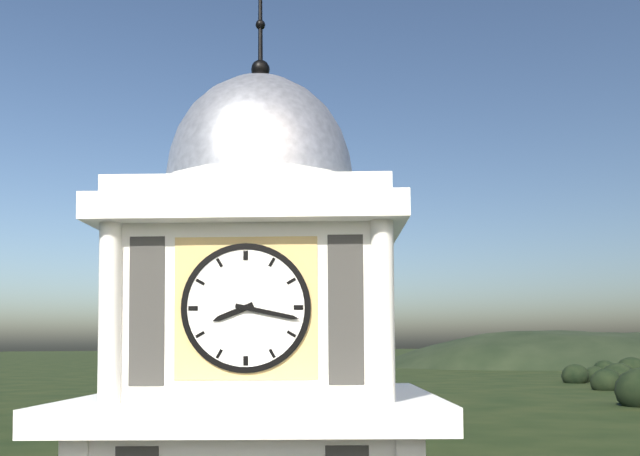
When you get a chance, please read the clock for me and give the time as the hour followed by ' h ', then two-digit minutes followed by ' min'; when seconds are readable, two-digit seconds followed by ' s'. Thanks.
8 h 17 min
